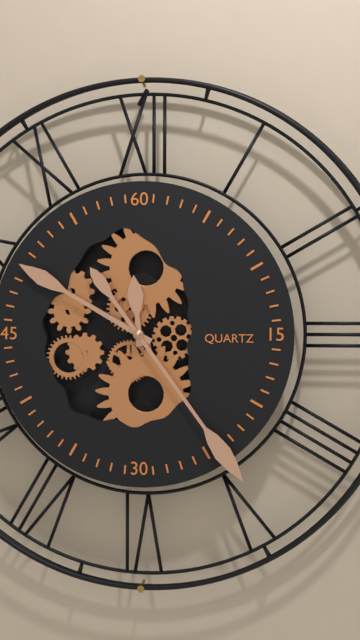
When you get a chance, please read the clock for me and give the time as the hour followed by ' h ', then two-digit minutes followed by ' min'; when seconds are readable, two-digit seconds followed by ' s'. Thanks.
11 h 50 min 24 s
